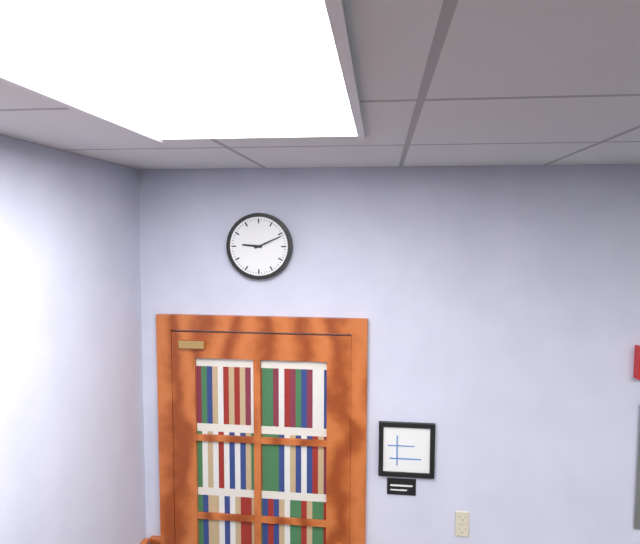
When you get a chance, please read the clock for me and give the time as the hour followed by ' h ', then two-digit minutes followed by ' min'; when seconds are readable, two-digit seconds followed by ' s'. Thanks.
9 h 11 min
